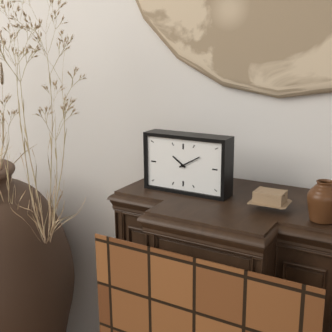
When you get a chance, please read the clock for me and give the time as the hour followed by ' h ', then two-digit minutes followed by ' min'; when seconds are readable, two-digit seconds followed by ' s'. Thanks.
10 h 10 min
